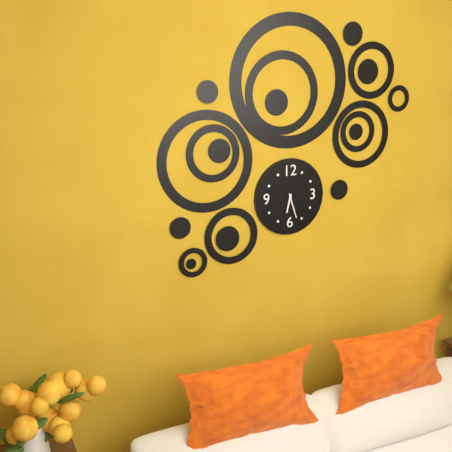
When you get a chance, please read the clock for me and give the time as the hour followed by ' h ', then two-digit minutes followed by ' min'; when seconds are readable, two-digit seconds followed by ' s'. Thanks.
6 h 27 min
